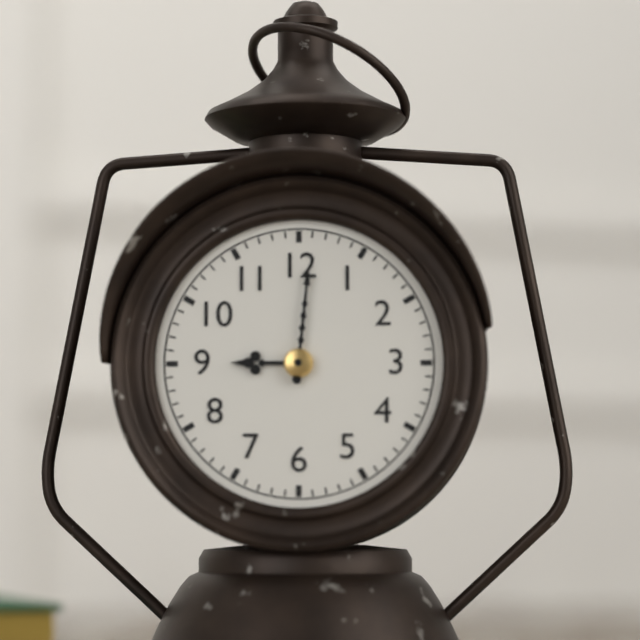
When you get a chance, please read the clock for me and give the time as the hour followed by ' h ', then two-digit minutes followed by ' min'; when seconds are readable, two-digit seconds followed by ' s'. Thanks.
9 h 01 min
